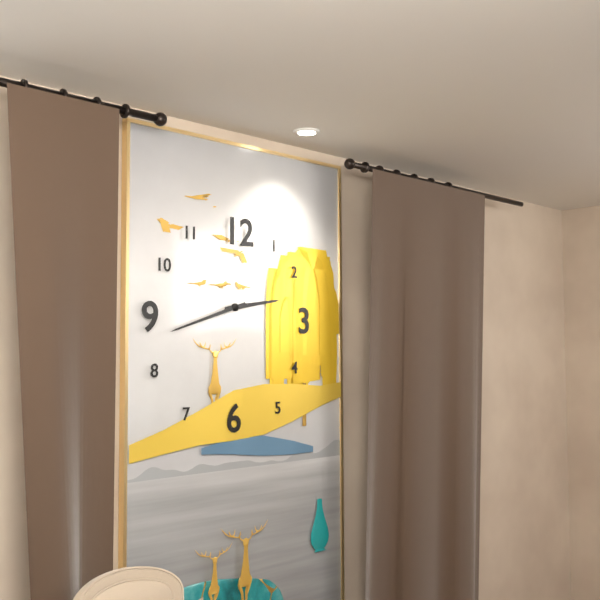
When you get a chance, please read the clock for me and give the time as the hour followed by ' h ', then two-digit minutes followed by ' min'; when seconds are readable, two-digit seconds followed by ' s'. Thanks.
2 h 42 min
